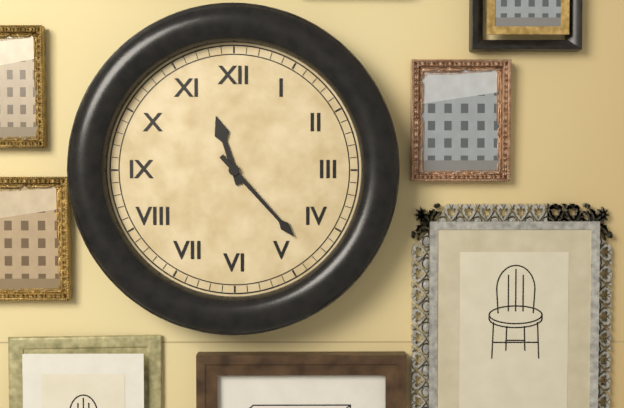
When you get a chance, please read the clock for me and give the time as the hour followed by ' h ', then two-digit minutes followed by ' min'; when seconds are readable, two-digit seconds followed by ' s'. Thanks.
11 h 23 min
